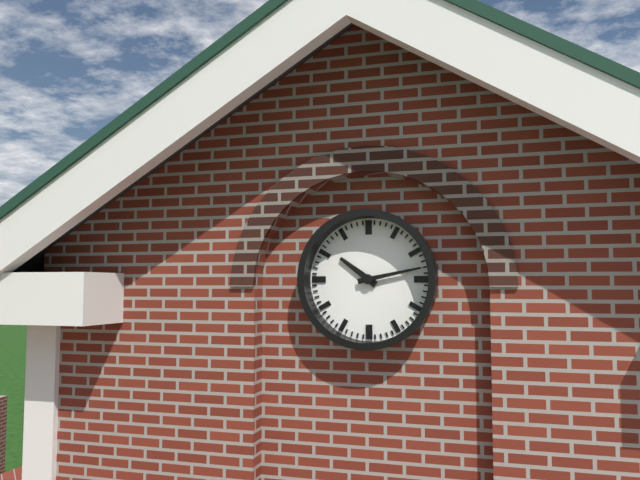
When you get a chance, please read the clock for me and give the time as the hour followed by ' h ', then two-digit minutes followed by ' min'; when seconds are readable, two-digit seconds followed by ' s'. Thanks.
10 h 13 min
